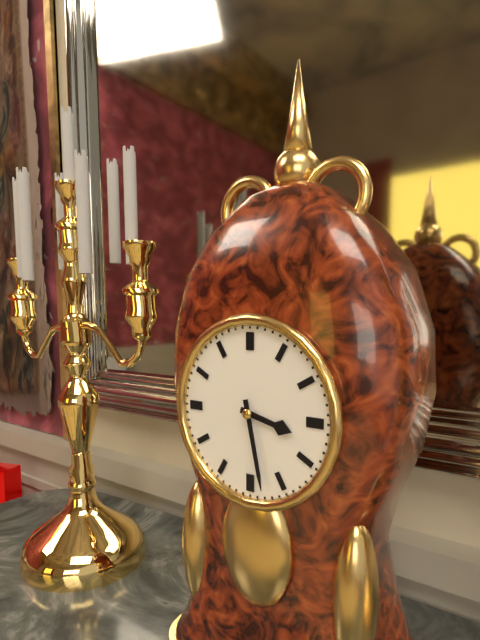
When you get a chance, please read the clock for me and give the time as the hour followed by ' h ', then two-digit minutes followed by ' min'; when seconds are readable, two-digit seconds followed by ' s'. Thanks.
3 h 28 min
